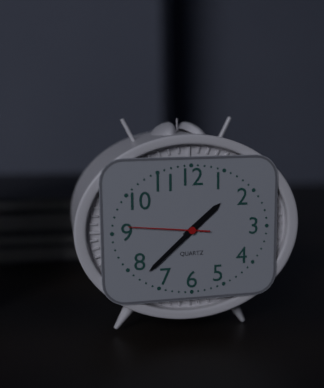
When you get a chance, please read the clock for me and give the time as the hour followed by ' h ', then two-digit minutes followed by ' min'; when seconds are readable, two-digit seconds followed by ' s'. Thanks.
1 h 38 min 46 s
